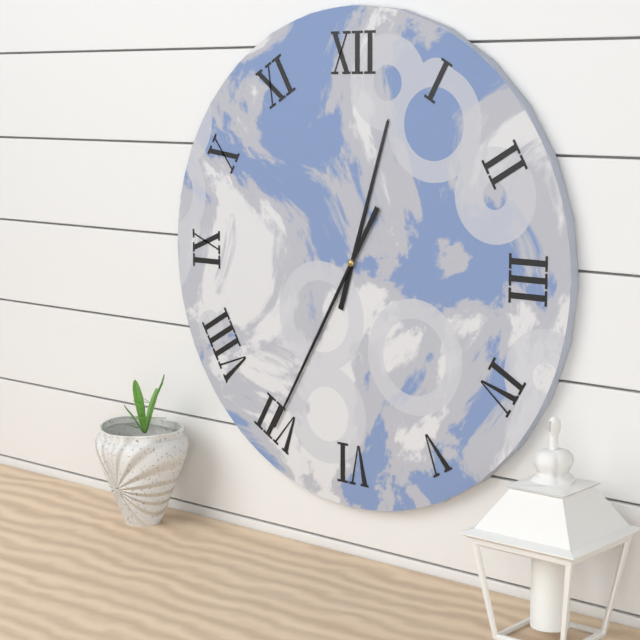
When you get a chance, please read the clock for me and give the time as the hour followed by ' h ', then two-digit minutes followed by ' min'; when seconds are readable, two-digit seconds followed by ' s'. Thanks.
12 h 35 min
